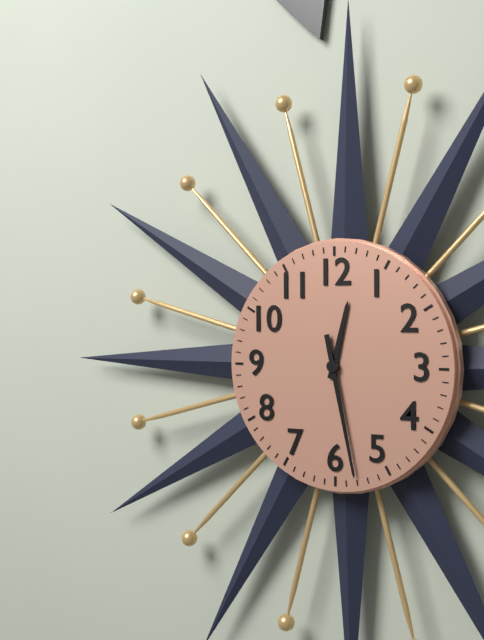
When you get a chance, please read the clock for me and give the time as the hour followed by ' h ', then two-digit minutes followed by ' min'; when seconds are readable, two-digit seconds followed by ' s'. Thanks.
12 h 28 min
